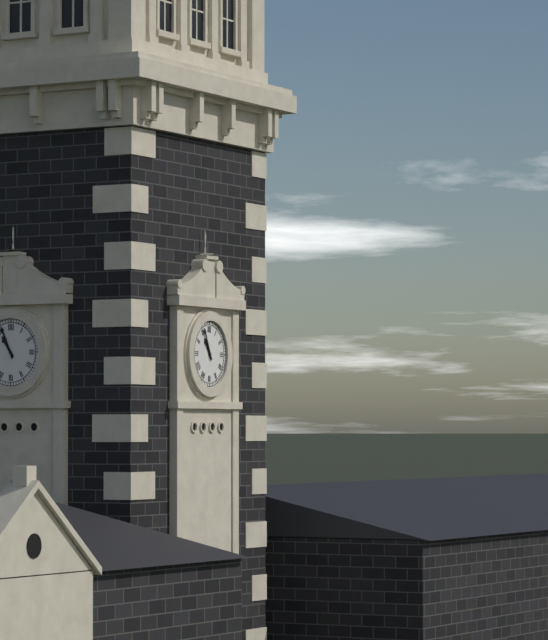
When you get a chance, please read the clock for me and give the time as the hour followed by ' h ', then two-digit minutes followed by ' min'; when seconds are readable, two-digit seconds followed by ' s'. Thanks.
10 h 56 min
